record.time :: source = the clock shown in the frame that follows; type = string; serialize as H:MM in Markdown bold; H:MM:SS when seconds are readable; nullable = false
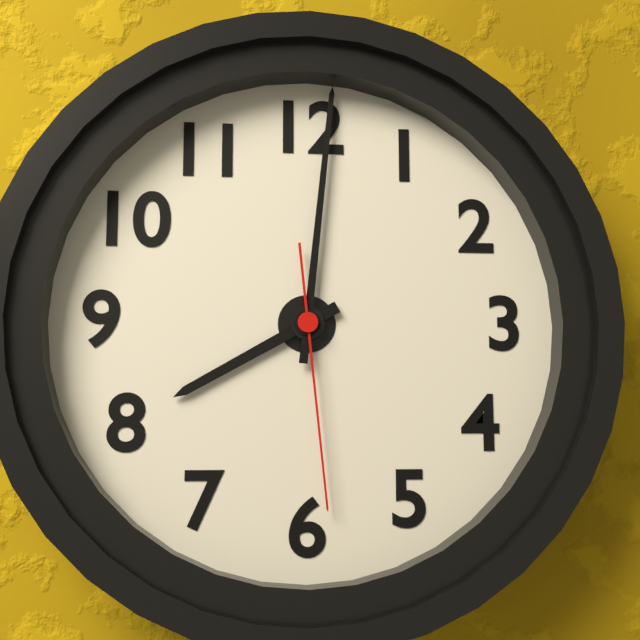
**8:01:29**
